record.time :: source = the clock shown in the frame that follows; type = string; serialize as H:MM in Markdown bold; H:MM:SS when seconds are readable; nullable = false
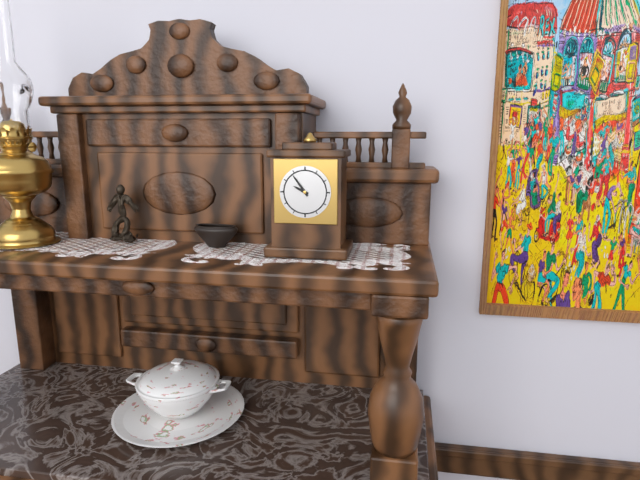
**9:54**
